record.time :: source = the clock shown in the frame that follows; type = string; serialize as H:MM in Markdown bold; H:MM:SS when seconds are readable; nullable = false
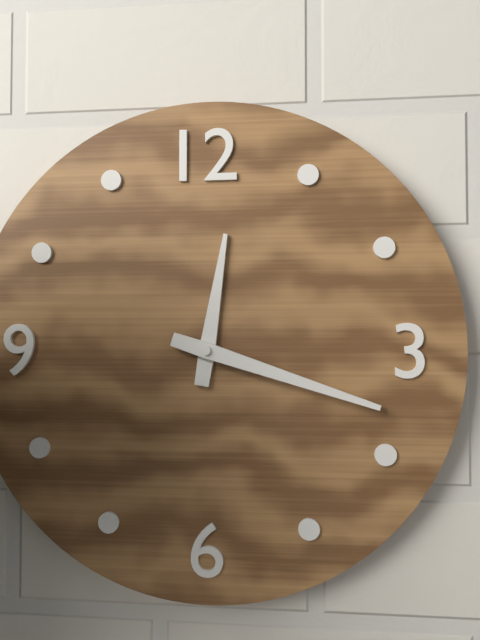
**12:18**
